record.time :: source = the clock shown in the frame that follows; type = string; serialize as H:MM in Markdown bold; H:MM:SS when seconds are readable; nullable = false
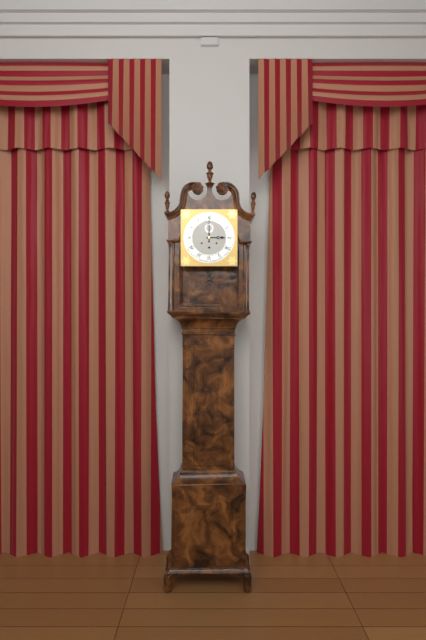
**3:00**
